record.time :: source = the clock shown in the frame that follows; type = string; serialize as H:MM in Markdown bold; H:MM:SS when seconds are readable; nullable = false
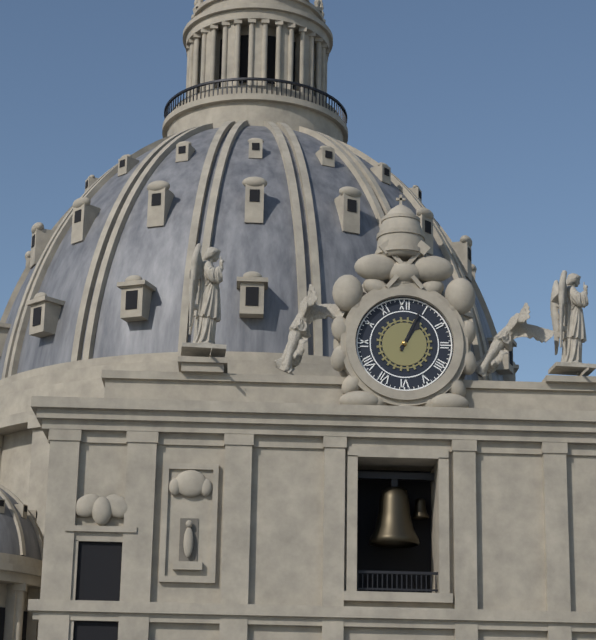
**1:04**
